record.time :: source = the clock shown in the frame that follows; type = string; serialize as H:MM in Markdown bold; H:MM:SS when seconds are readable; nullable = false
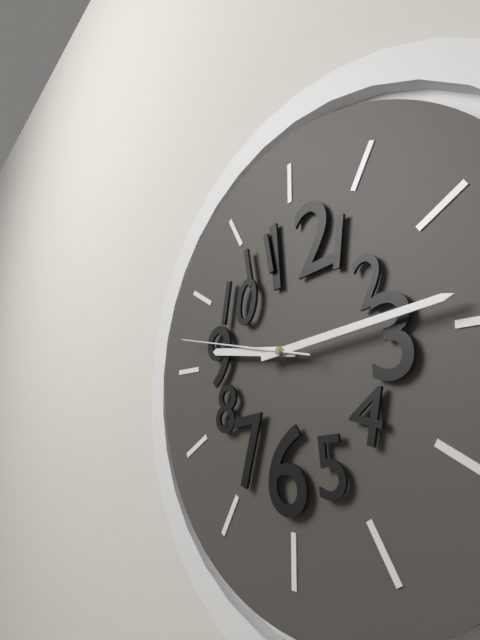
**9:14:47**
